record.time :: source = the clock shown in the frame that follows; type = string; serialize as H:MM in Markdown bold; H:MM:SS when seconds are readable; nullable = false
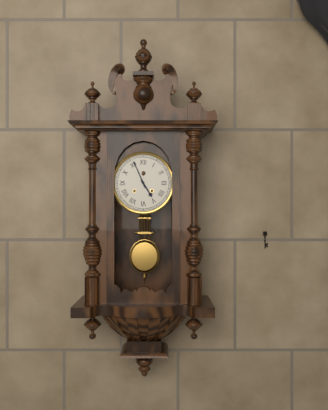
**4:56**
